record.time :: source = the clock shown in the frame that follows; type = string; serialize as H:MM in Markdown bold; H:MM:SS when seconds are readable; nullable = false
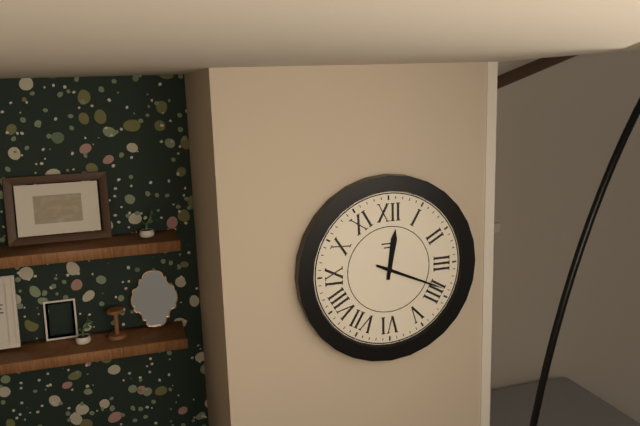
**12:19**
